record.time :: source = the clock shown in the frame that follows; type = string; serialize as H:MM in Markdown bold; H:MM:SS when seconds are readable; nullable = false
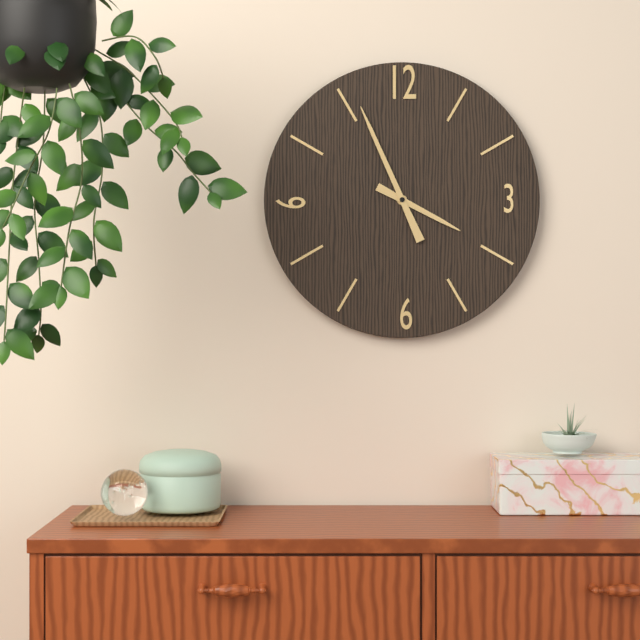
**3:56**
